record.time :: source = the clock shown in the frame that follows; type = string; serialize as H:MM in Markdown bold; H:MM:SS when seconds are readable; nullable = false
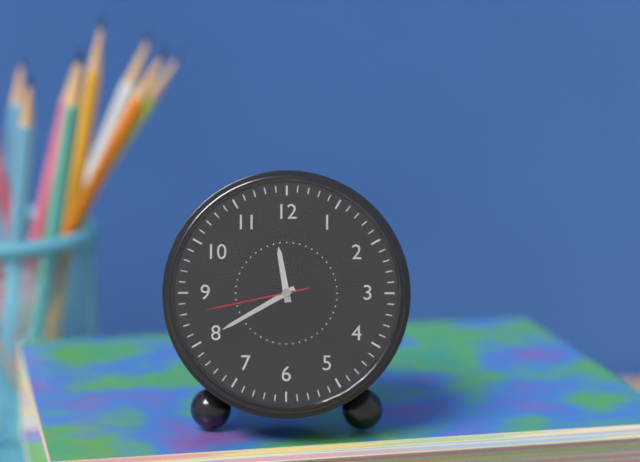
**11:40:43**
